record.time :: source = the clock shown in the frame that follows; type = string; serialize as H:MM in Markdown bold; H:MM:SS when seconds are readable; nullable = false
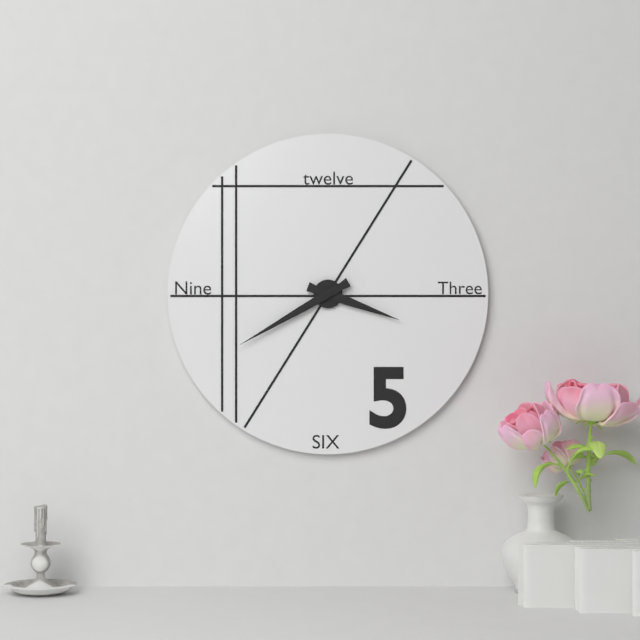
**3:40**
